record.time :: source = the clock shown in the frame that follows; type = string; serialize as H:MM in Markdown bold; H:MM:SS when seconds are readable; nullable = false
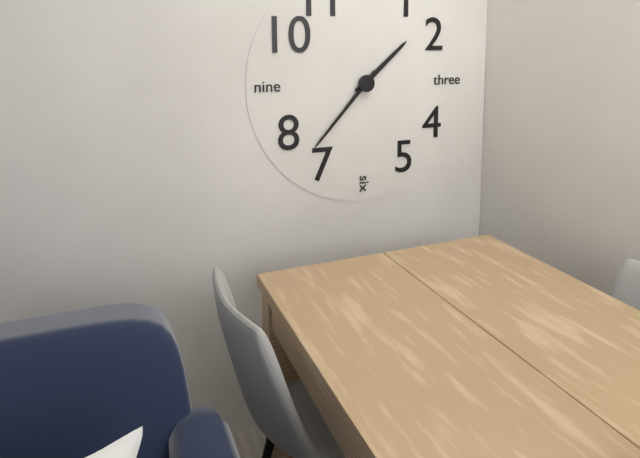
**1:37**
